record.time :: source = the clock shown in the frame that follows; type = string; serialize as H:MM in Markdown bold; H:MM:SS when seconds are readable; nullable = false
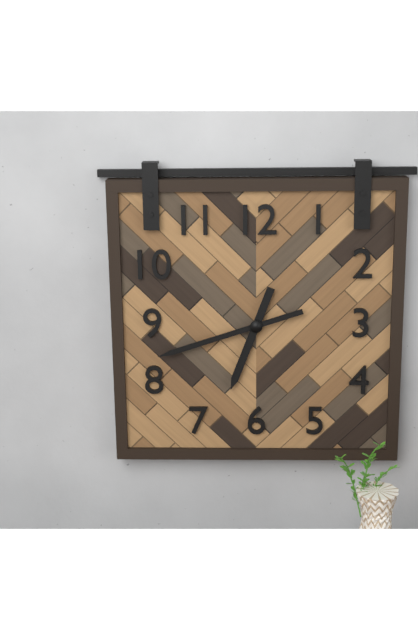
**6:42**
